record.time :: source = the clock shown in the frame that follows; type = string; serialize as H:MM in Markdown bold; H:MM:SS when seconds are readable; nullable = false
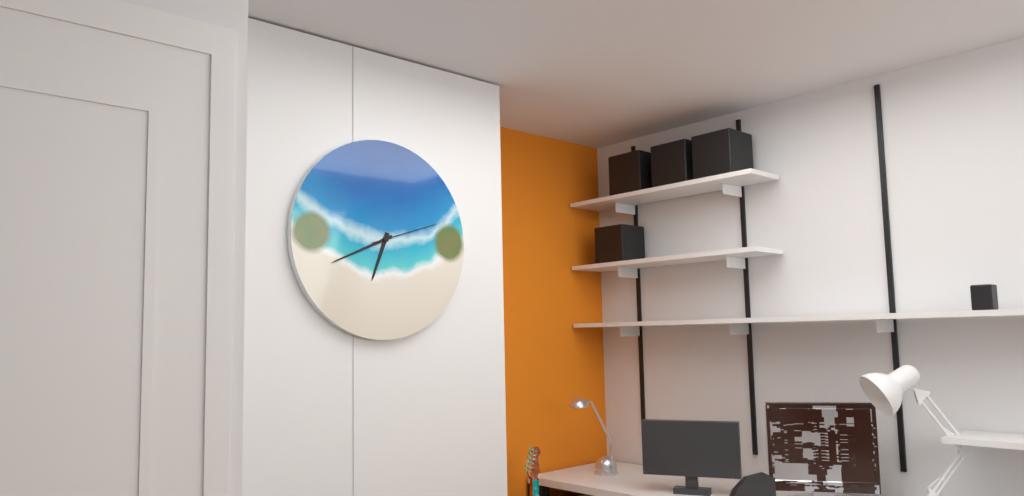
**6:41:12**
